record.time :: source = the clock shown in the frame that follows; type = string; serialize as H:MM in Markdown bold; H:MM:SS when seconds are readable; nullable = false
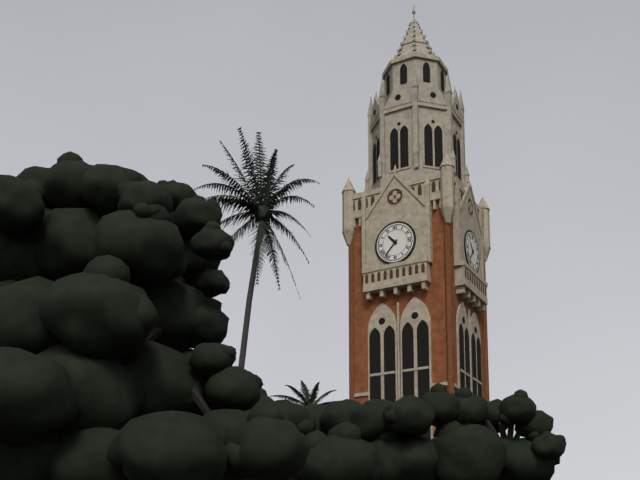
**10:37**
